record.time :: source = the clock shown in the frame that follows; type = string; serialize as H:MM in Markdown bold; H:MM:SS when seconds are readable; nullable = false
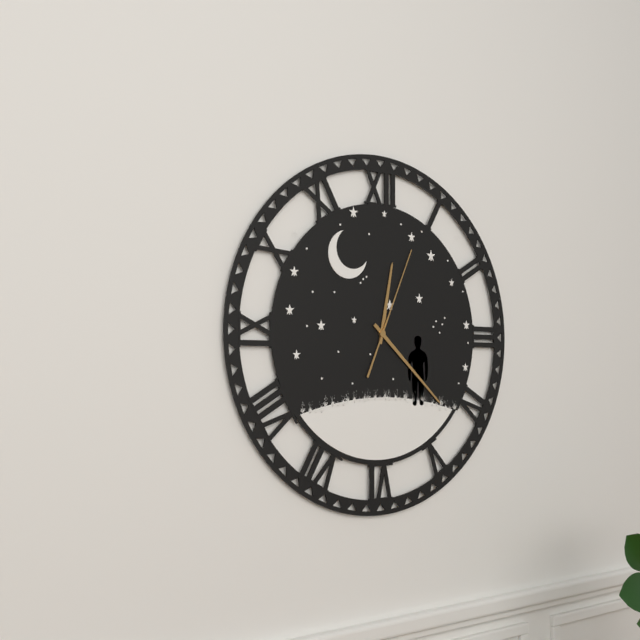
**12:22:04**
